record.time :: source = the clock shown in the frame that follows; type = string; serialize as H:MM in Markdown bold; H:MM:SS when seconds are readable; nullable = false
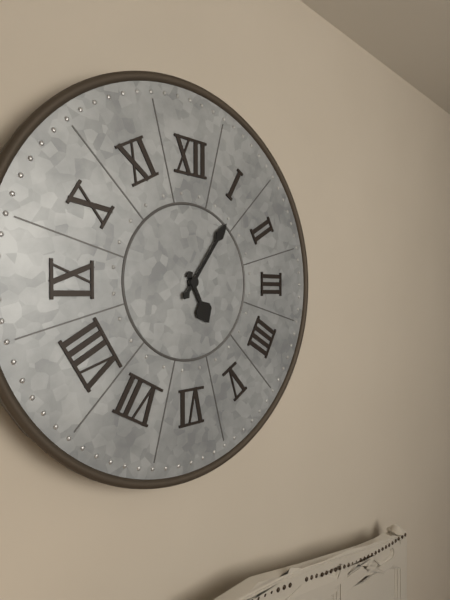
**5:06**
